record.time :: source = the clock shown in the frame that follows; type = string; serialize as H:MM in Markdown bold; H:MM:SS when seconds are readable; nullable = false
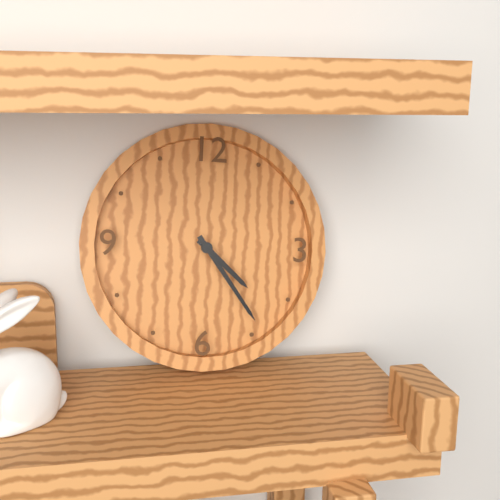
**4:24**
